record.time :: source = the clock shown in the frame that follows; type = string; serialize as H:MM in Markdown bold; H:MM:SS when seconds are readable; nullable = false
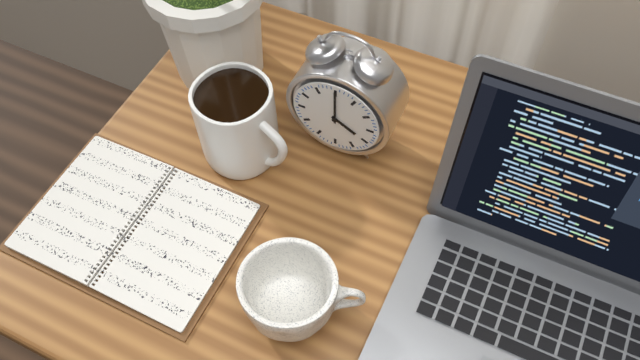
**4:00**
